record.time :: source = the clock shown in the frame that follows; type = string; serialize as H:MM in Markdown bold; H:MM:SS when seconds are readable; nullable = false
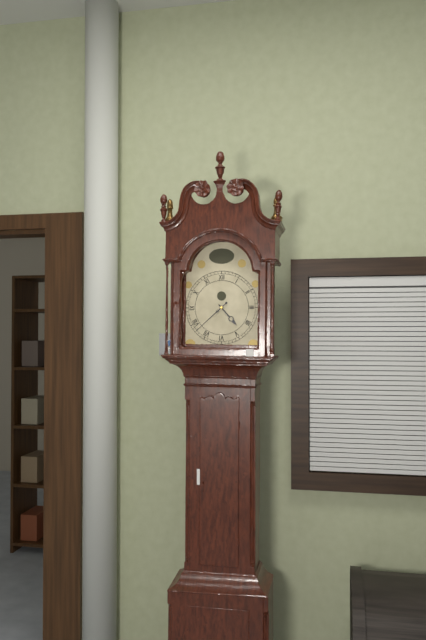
**4:38**
